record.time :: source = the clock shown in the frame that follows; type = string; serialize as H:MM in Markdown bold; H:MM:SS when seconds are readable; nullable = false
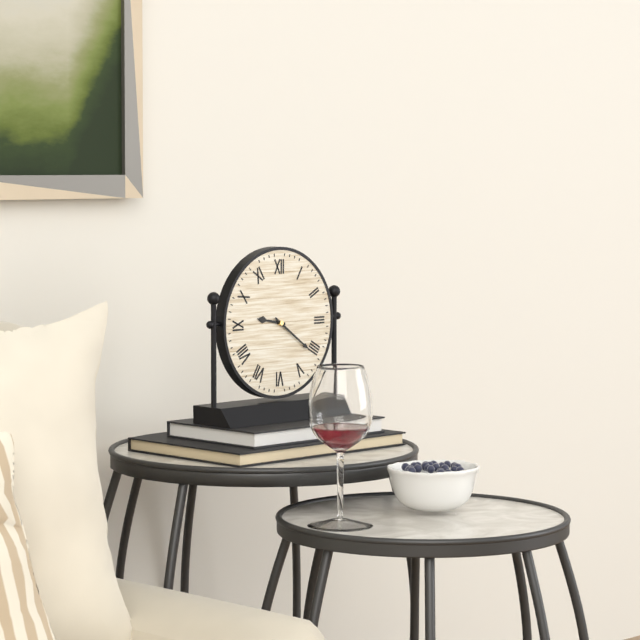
**9:21**
